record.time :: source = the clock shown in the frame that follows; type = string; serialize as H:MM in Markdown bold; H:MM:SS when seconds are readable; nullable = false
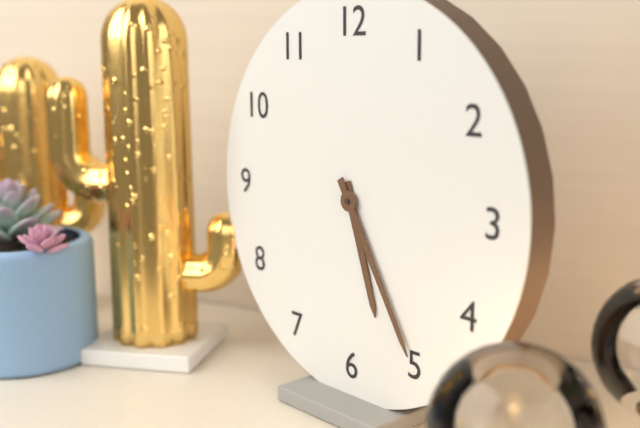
**5:25**
